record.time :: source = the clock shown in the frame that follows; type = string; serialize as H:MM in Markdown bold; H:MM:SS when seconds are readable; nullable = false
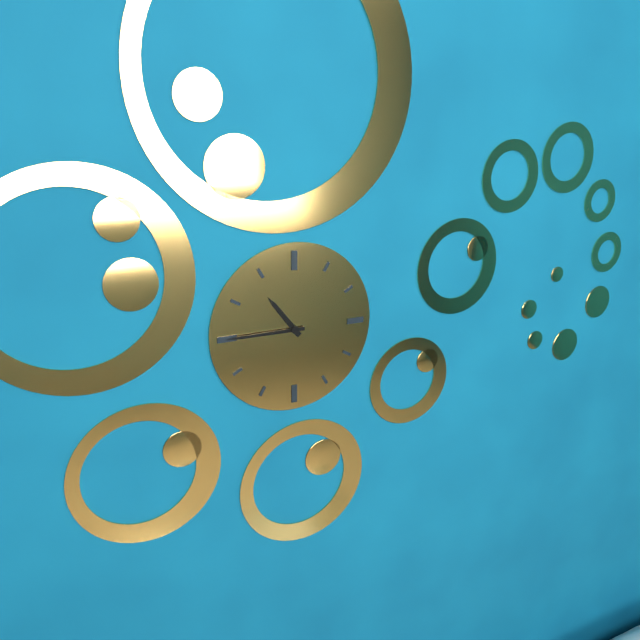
**10:45**
